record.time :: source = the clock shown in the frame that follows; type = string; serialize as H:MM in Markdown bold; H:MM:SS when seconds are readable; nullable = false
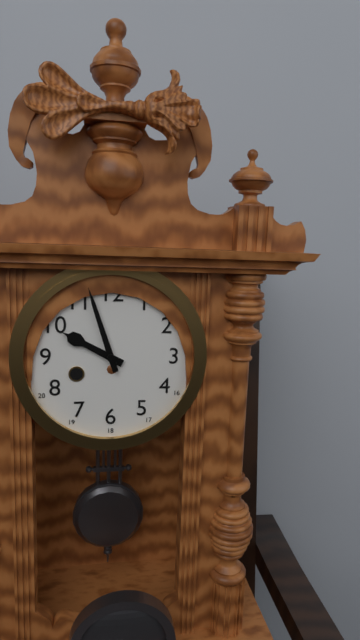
**9:57**
